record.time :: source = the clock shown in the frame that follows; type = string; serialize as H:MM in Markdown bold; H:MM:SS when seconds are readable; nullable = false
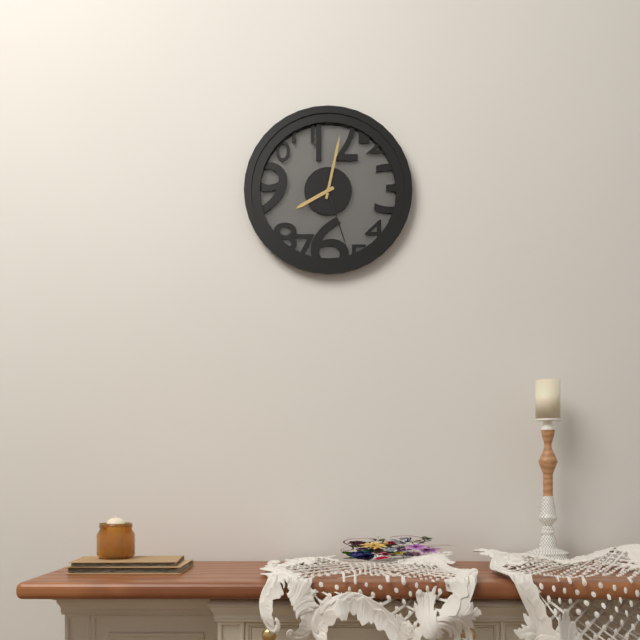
**8:02:27**
